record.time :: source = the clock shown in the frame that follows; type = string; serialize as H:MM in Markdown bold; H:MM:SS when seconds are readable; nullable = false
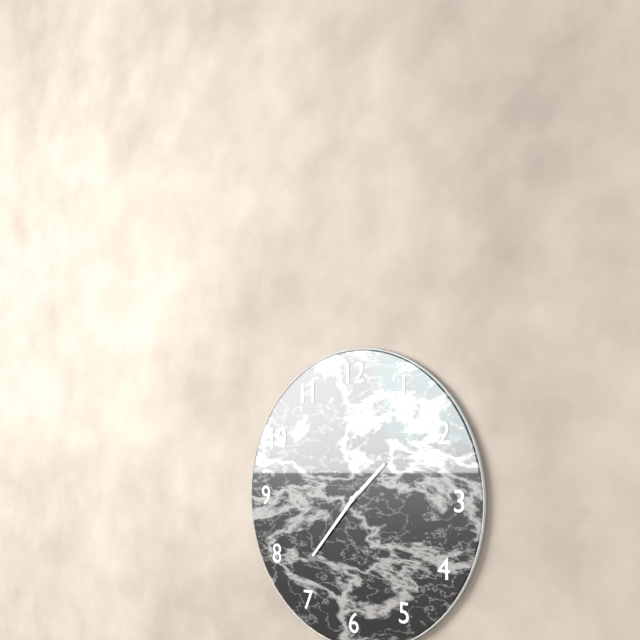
**1:37**
